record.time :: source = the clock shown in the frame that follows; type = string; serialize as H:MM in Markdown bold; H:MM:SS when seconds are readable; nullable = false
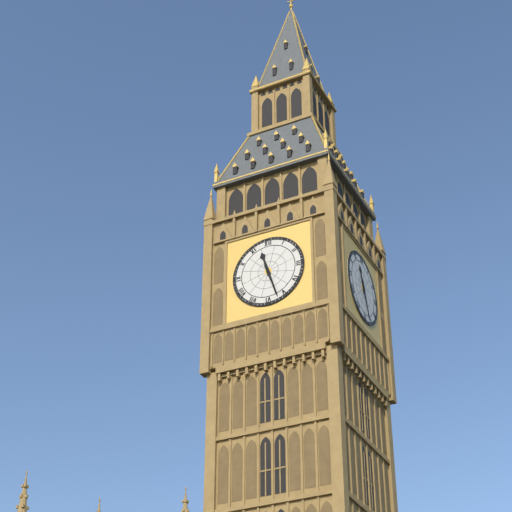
**11:27**
